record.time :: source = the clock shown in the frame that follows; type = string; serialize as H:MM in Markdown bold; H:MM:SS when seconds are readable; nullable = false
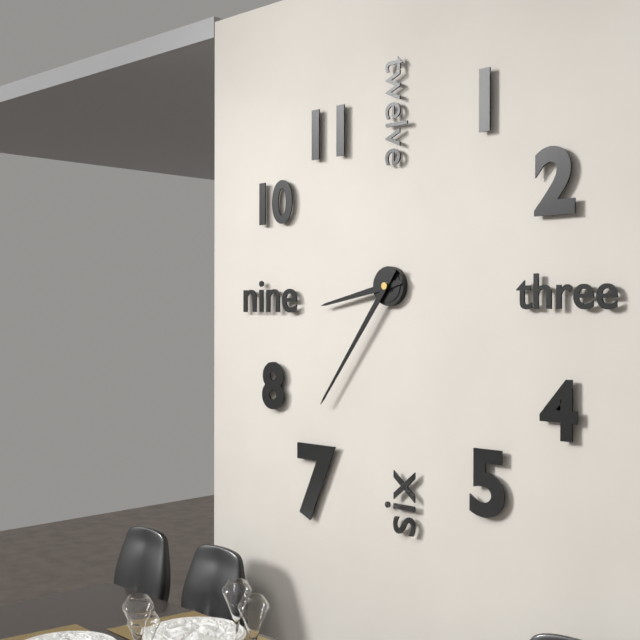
**8:36**
